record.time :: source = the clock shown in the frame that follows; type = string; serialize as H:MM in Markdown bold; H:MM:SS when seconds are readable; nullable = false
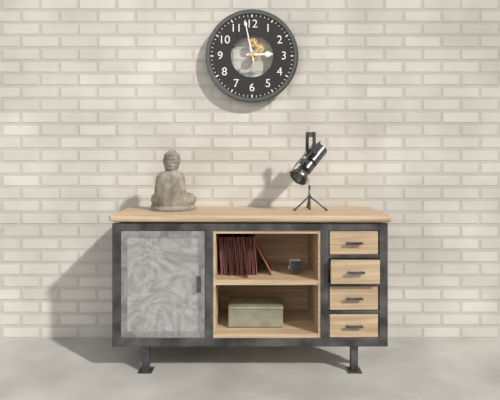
**2:58**
